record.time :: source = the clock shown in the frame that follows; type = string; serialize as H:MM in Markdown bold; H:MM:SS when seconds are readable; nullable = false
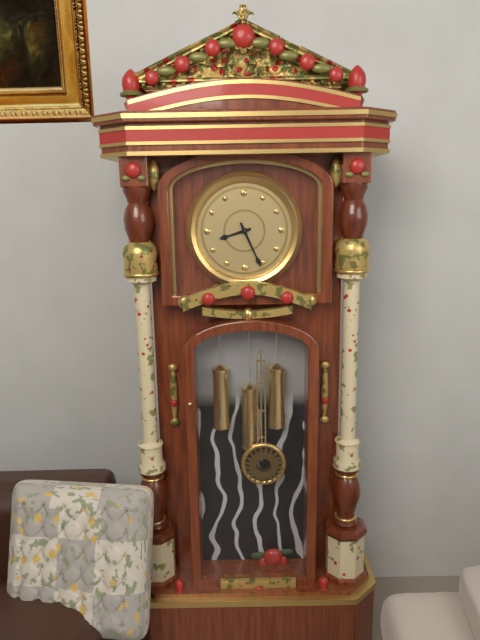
**8:26**
